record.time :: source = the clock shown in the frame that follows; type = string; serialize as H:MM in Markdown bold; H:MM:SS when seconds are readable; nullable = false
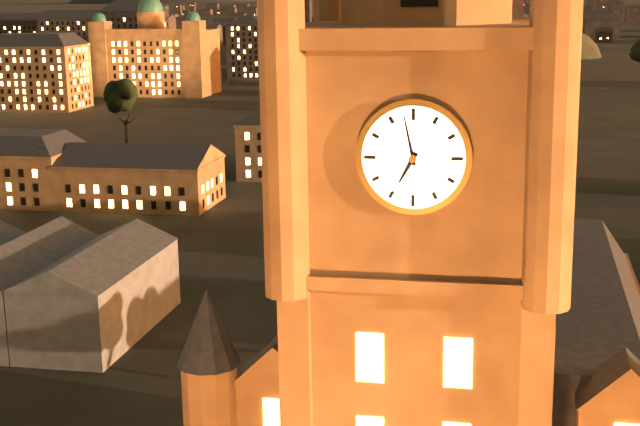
**6:58**
